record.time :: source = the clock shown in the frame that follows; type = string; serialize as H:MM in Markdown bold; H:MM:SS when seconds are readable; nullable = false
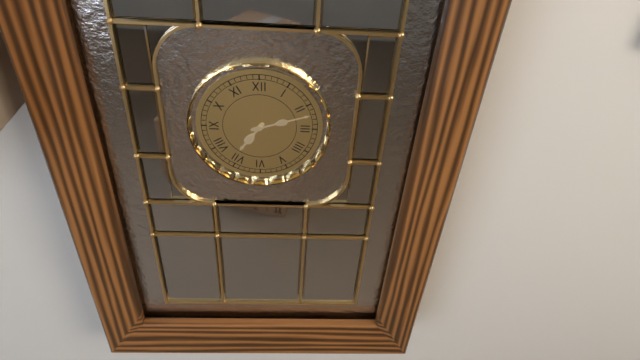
**7:12**
